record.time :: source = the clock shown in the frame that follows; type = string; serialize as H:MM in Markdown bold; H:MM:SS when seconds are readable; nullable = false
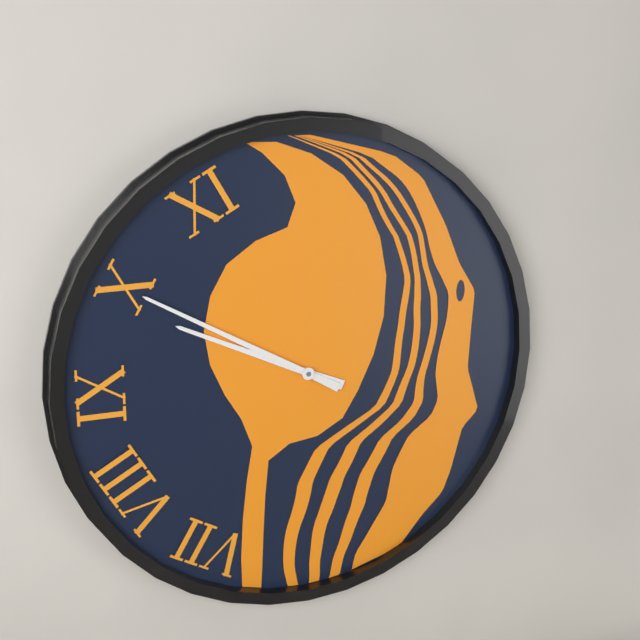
**9:50**
